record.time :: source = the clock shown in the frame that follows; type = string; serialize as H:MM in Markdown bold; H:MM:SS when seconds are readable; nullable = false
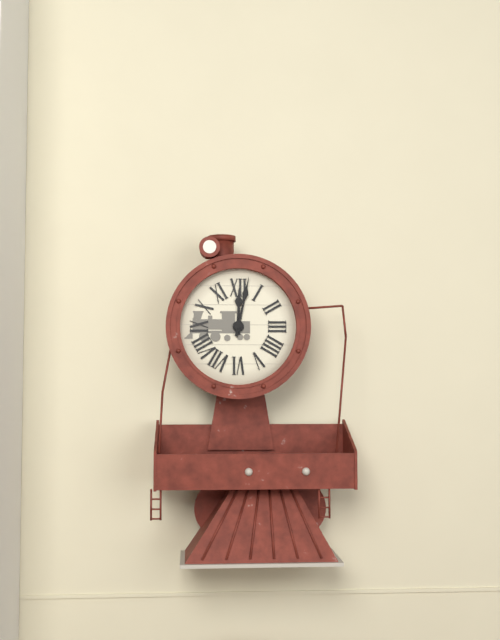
**12:02**
